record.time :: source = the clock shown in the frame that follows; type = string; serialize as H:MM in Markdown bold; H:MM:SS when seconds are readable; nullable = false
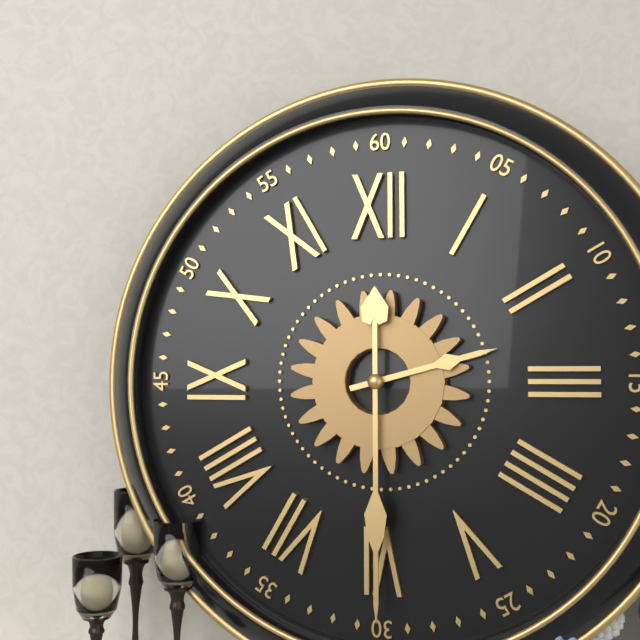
**2:30**
